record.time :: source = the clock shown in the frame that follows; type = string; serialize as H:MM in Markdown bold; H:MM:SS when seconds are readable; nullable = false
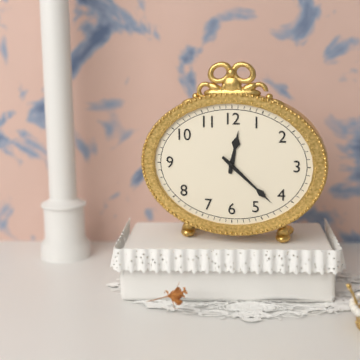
**12:22**
